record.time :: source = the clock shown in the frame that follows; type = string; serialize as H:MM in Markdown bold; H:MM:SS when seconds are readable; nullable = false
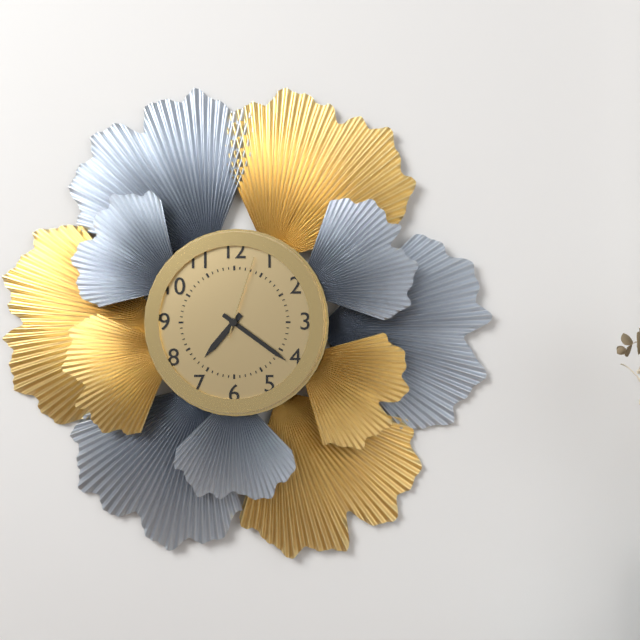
**7:21:03**
